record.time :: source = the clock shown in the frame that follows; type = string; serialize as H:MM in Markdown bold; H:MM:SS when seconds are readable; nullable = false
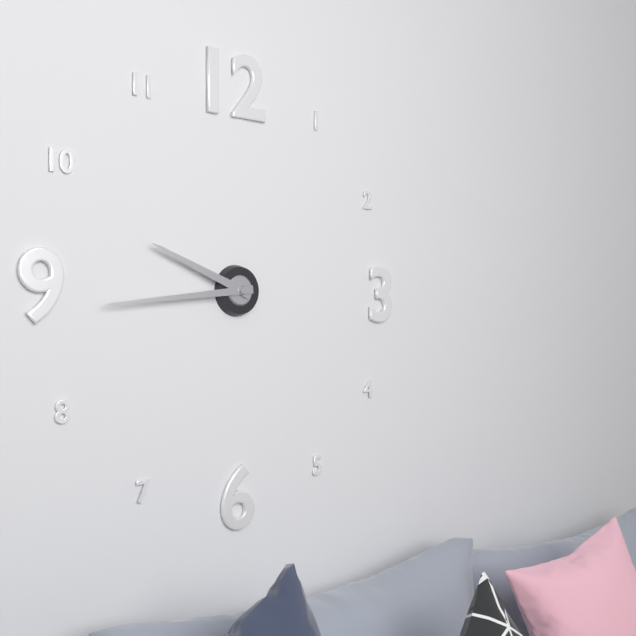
**9:44**
